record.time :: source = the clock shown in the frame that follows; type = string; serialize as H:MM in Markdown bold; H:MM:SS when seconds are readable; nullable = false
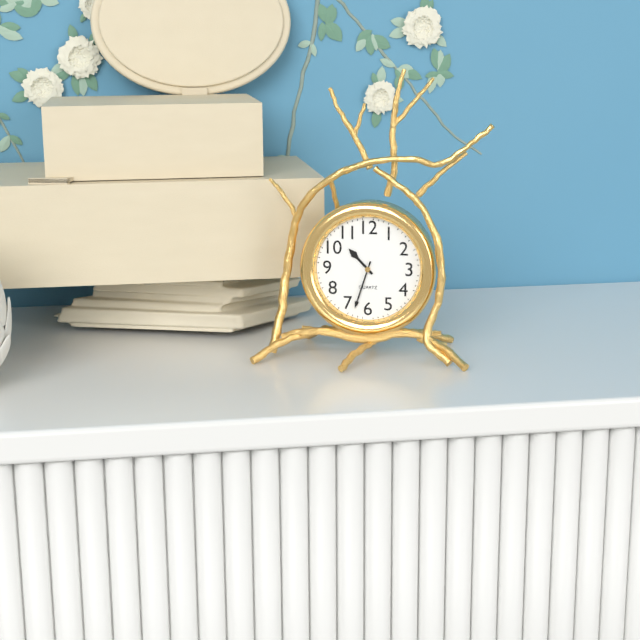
**10:33**
